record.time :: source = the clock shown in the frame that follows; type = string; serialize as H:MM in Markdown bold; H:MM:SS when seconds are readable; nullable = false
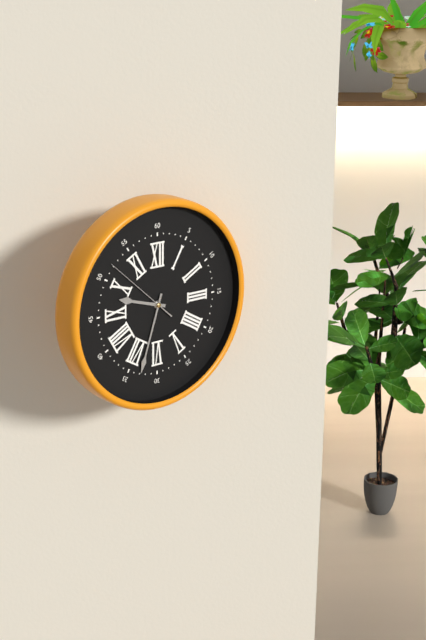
**9:33:52**
